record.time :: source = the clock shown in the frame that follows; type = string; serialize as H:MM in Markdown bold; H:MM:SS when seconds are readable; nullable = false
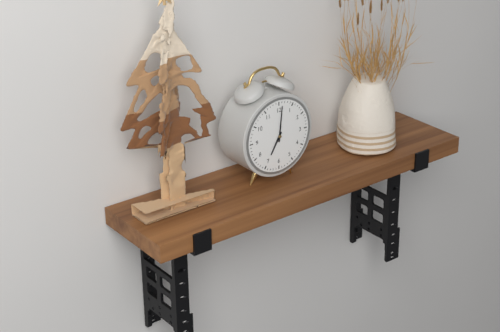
**7:01**
